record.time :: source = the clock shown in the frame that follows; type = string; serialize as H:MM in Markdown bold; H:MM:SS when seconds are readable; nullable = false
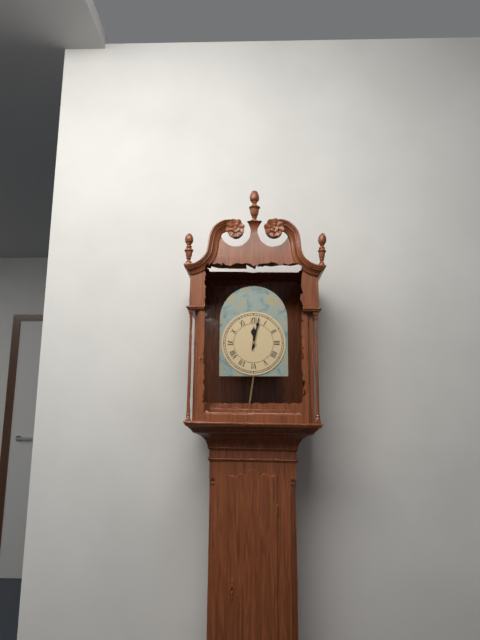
**12:02**
